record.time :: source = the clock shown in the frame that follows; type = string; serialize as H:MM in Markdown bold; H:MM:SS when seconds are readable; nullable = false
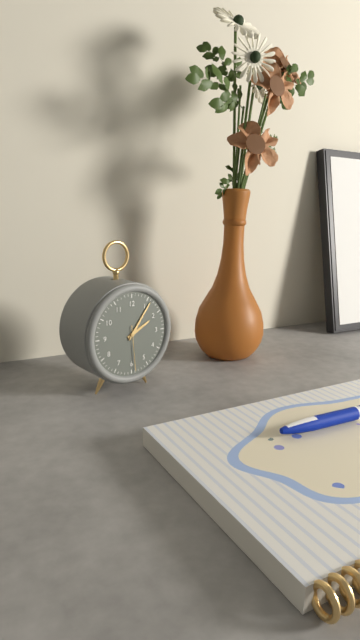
**2:06**
